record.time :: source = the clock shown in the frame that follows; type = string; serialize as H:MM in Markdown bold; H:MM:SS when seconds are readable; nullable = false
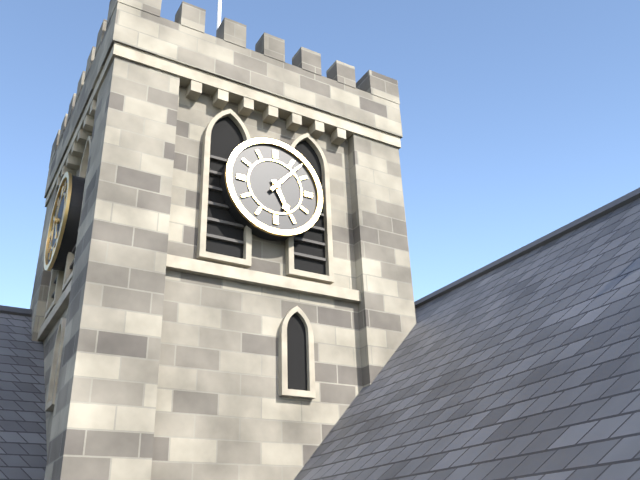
**5:07**
